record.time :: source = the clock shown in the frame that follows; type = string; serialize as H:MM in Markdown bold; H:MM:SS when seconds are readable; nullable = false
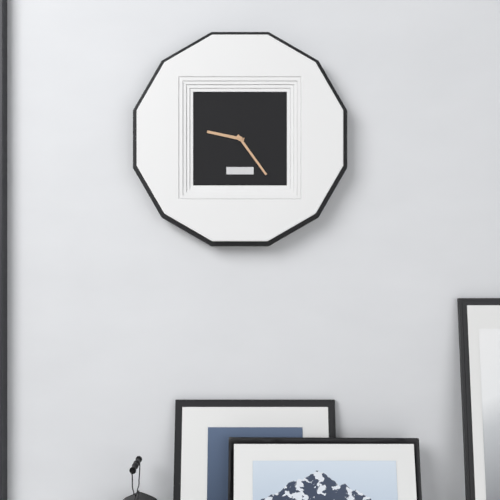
**9:24**
